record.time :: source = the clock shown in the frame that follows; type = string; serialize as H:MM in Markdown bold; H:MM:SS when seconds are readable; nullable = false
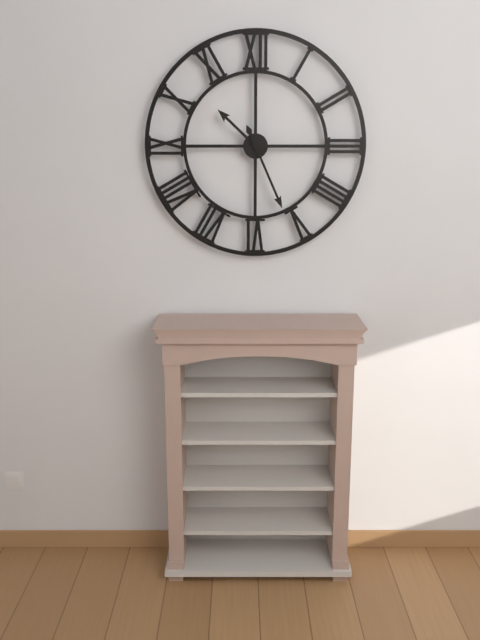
**10:26**
